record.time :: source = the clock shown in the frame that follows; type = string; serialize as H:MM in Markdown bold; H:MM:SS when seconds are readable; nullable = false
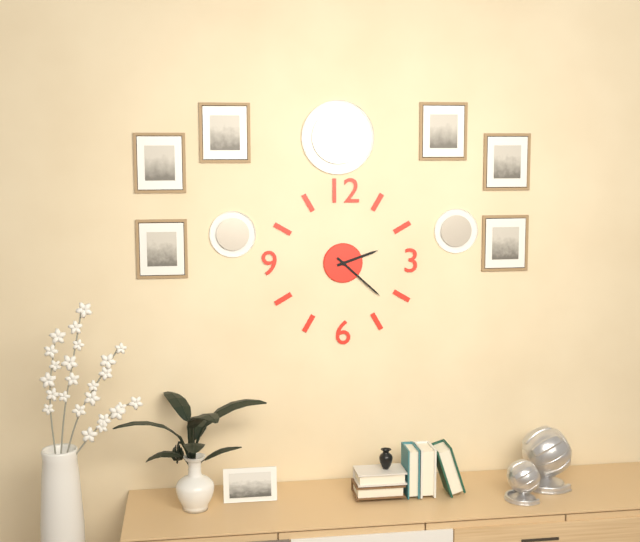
**2:22**
